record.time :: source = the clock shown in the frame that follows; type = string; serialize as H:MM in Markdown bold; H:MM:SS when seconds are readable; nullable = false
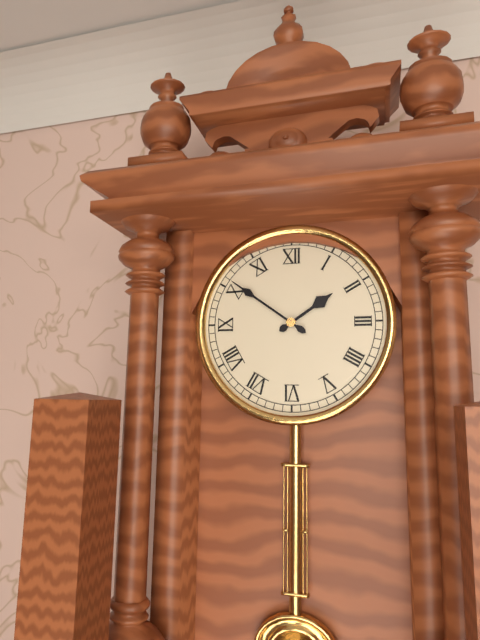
**1:51**
